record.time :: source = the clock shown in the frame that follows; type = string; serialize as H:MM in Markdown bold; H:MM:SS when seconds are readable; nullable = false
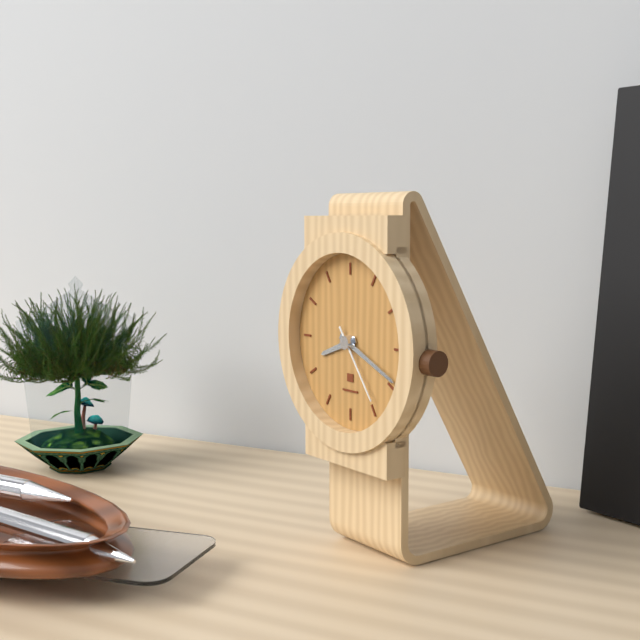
**8:19:24**
